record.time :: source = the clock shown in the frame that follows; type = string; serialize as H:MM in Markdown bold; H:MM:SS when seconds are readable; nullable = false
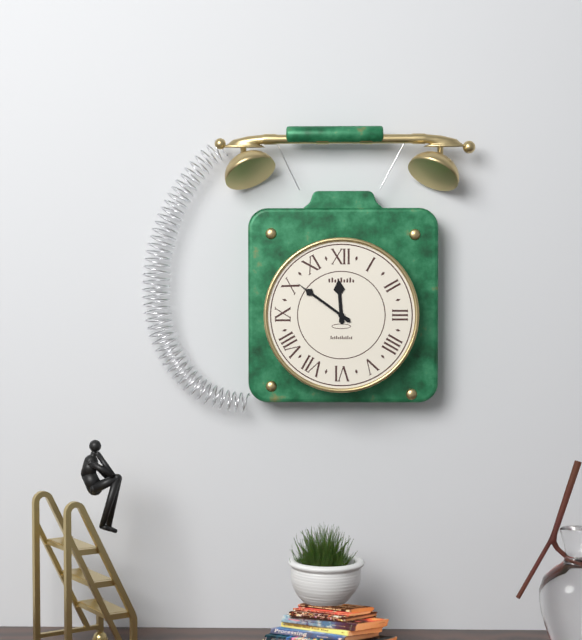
**11:51**
